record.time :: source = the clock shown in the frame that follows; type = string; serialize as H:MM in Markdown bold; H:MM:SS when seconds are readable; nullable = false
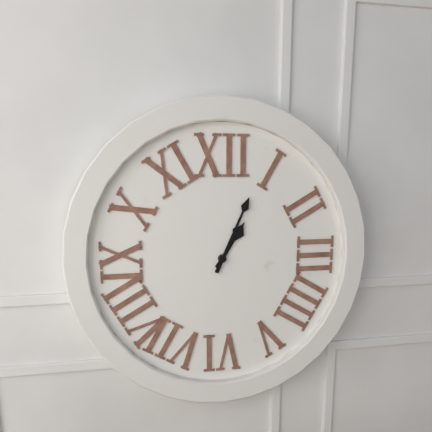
**1:04**
